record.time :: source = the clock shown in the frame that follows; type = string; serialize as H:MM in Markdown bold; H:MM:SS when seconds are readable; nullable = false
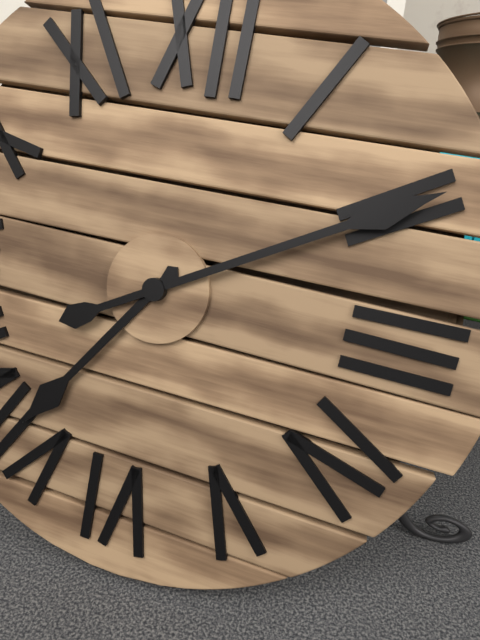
**7:10**
